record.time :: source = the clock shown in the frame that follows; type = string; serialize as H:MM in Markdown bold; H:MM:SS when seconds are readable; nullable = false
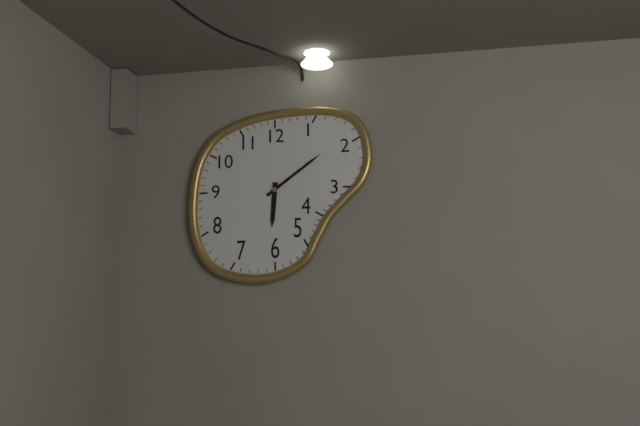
**6:09**
